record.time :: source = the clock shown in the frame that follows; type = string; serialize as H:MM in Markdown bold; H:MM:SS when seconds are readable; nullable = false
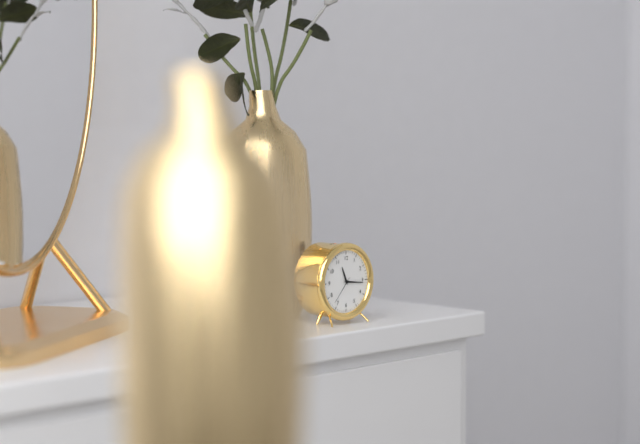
**11:16**
